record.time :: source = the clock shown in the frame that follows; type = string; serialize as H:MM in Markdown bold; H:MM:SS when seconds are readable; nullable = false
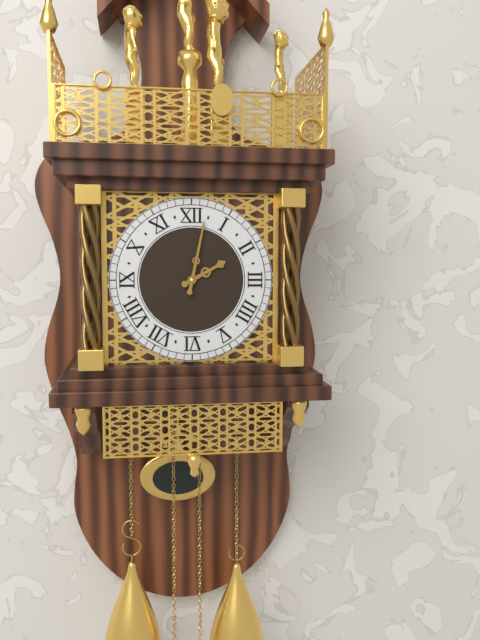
**2:02**
